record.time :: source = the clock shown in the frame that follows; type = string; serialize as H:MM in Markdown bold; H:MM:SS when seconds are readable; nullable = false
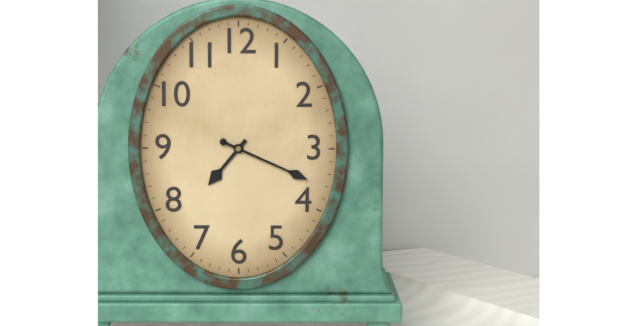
**7:19**
